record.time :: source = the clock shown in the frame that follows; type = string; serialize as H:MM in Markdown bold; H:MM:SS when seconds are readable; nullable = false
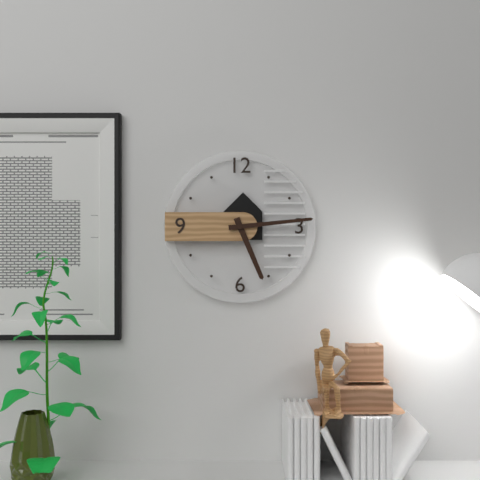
**5:14**
